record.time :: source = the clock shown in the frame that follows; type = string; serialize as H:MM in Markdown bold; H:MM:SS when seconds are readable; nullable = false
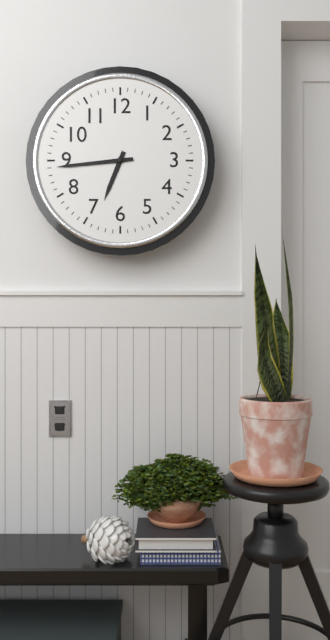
**6:44**
